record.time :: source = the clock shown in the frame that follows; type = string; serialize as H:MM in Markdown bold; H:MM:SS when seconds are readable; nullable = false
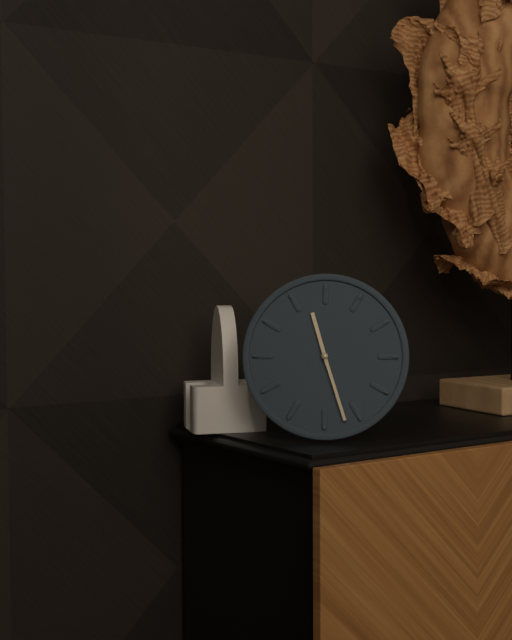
**11:27**
